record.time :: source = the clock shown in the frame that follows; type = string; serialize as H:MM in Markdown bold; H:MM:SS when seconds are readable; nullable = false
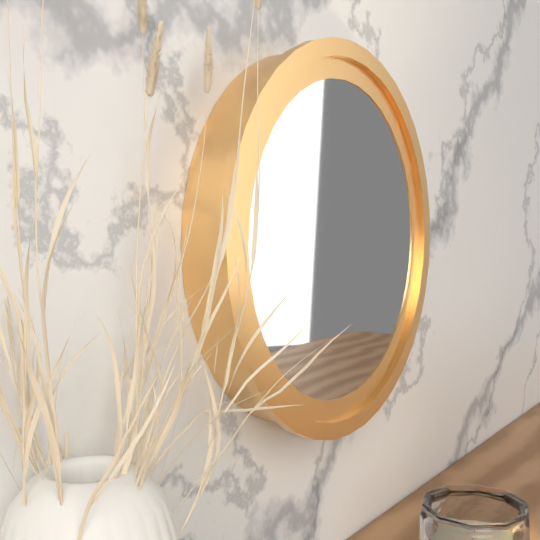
**7:18:07**
